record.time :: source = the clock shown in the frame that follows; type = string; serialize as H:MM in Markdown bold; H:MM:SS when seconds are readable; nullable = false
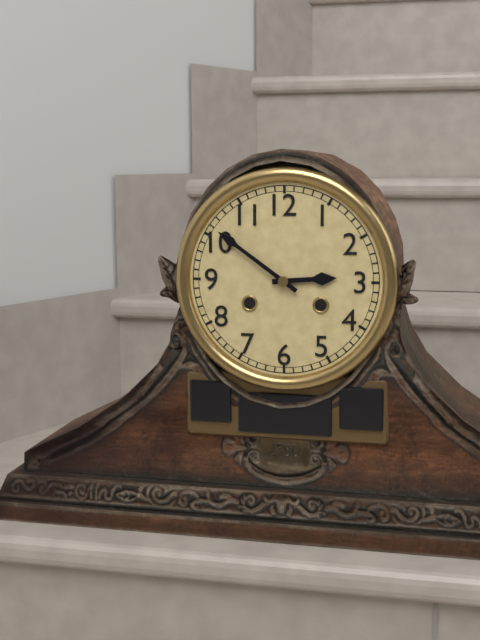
**2:51**
